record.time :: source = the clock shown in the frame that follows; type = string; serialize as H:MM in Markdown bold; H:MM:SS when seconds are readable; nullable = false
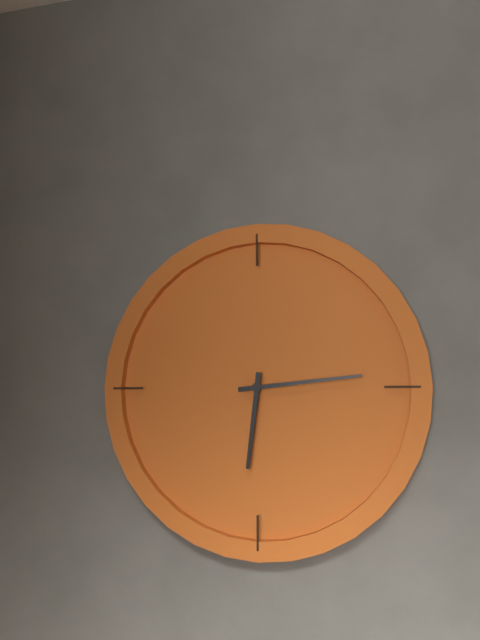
**6:14**
